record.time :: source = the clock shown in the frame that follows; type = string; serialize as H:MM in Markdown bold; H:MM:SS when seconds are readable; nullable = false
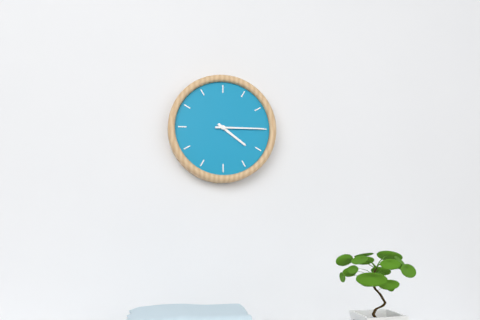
**4:15**
